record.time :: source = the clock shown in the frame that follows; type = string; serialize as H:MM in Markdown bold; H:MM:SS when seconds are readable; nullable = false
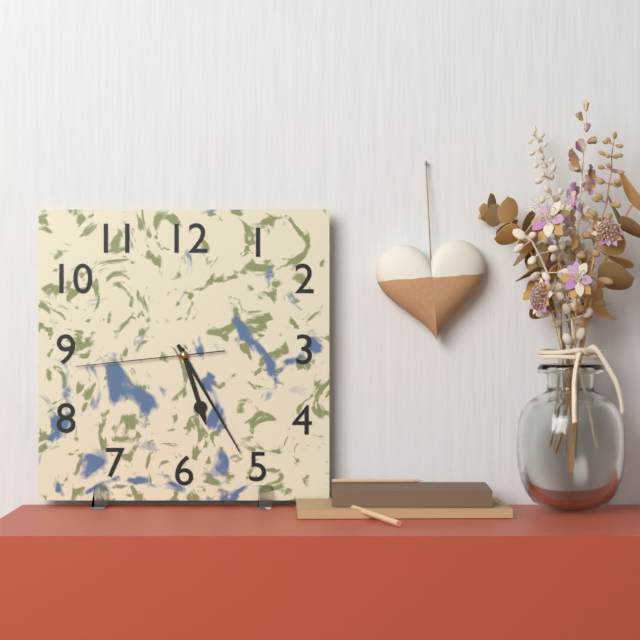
**5:25:44**
